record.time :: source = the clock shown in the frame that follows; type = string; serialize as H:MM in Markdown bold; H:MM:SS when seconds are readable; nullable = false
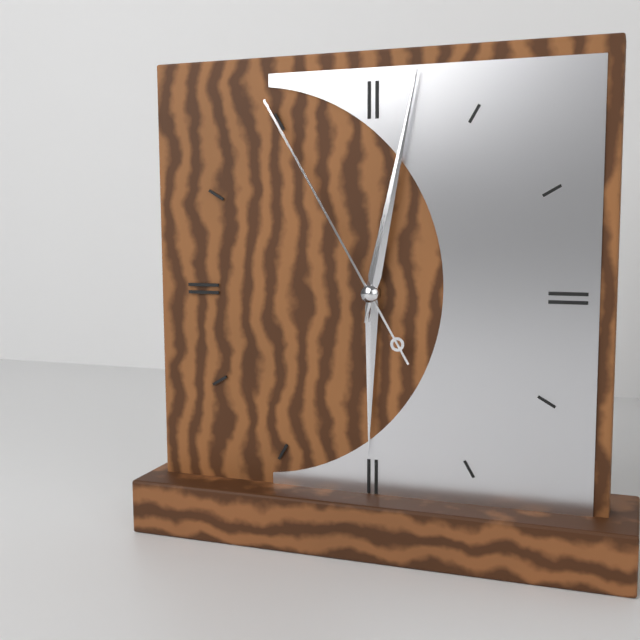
**6:02:55**
